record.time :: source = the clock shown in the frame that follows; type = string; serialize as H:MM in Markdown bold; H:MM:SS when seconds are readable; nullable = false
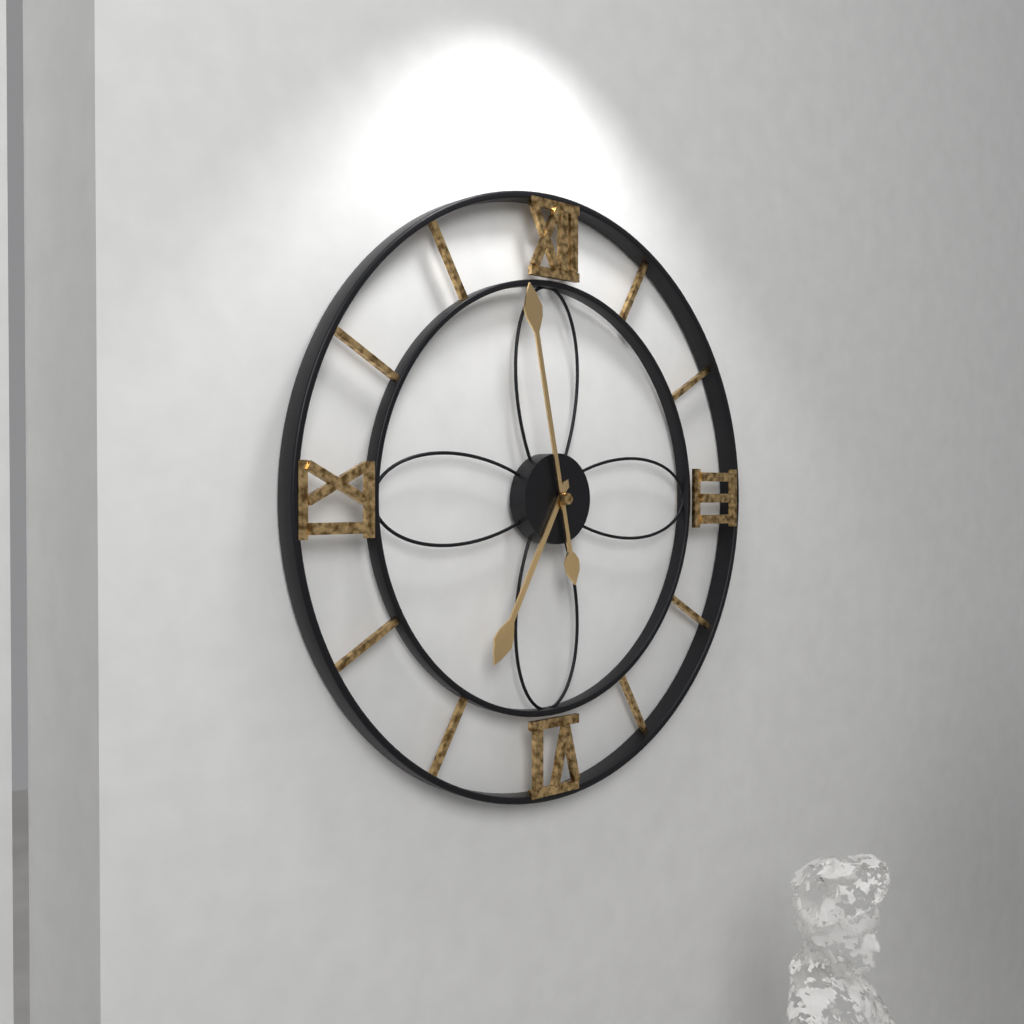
**6:58**
